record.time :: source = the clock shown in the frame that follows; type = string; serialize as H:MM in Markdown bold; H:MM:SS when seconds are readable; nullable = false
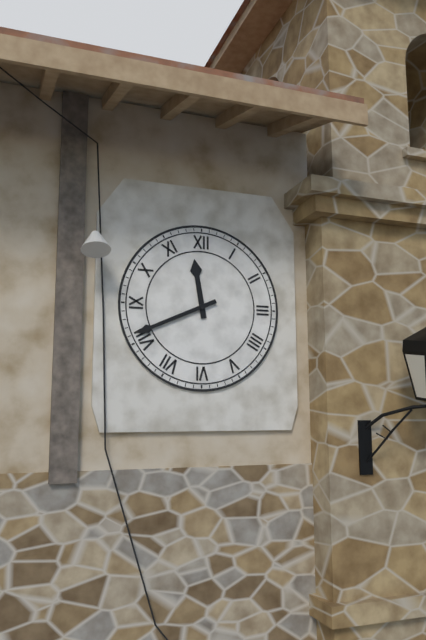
**11:41**
